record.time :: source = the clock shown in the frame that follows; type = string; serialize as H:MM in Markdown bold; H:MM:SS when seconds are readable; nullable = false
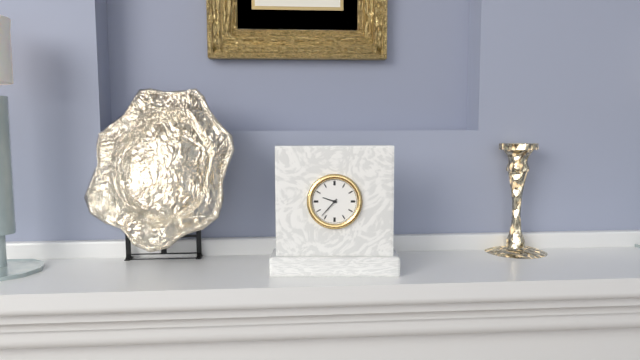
**9:37**
